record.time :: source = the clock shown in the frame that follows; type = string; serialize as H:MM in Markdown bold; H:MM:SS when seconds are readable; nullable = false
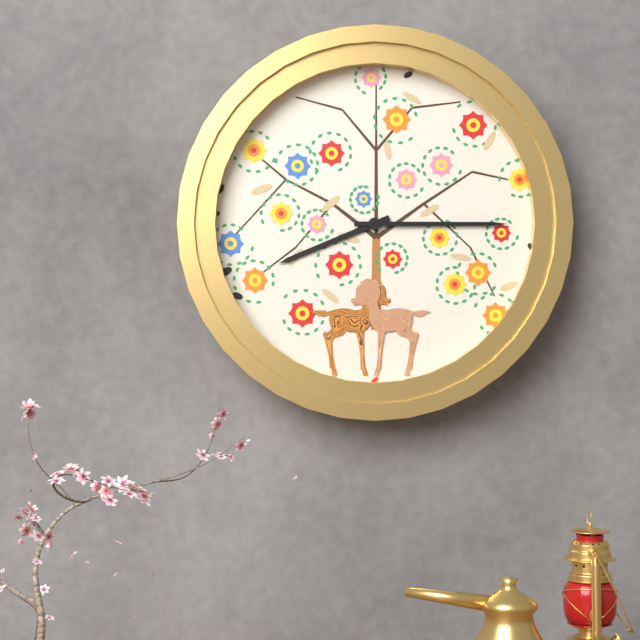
**8:15**
